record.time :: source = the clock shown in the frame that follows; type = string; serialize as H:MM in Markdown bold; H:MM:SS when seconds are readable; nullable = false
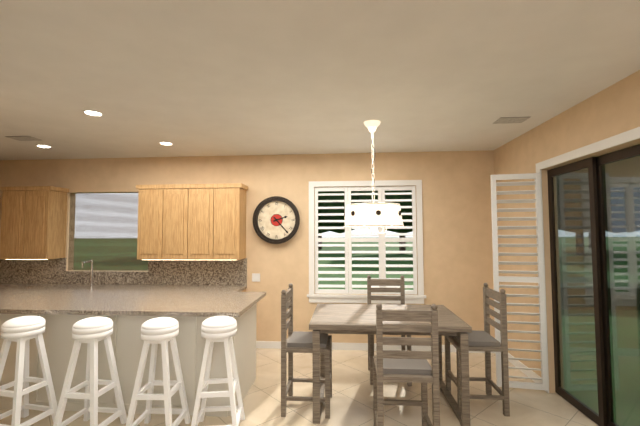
**2:23**
